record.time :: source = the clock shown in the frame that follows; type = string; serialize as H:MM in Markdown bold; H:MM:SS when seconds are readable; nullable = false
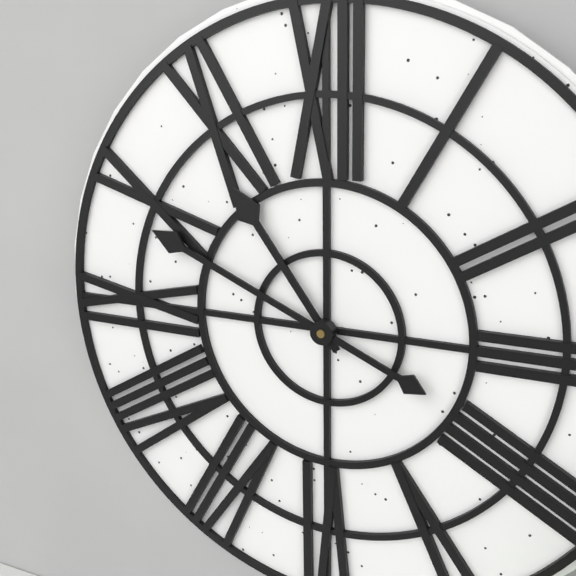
**10:49**
